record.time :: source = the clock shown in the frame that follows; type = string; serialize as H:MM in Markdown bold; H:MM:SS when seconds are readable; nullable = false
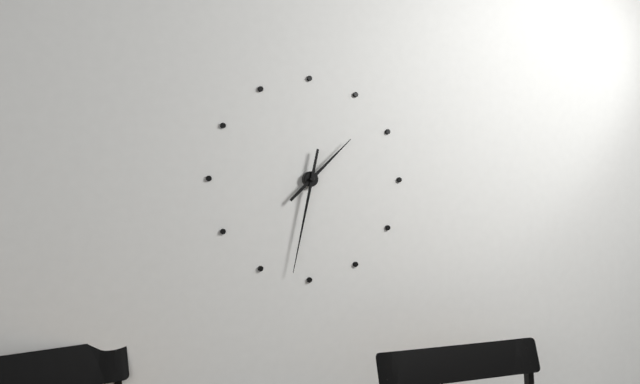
**1:32**
